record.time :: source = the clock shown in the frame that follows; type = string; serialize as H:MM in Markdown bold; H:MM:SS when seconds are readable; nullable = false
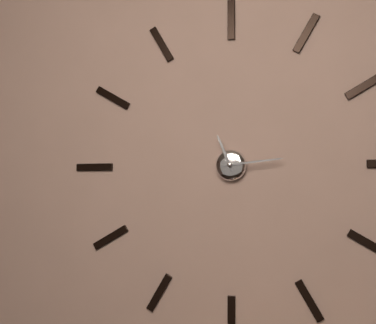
**11:14**
